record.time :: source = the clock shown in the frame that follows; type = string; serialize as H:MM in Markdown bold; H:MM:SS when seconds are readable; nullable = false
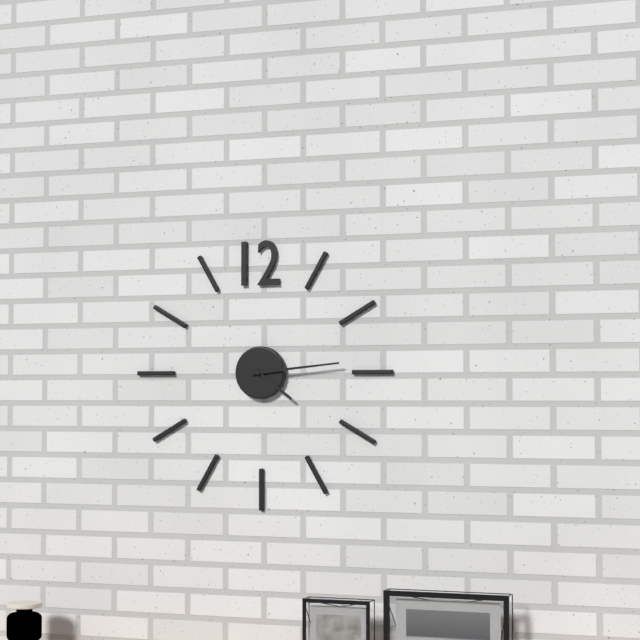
**4:14**
